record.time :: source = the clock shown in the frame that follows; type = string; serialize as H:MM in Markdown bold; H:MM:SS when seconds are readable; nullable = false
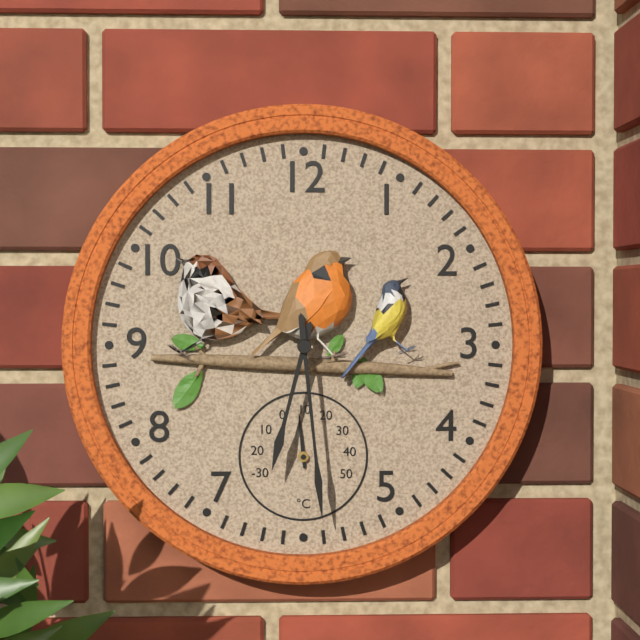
**6:29**
